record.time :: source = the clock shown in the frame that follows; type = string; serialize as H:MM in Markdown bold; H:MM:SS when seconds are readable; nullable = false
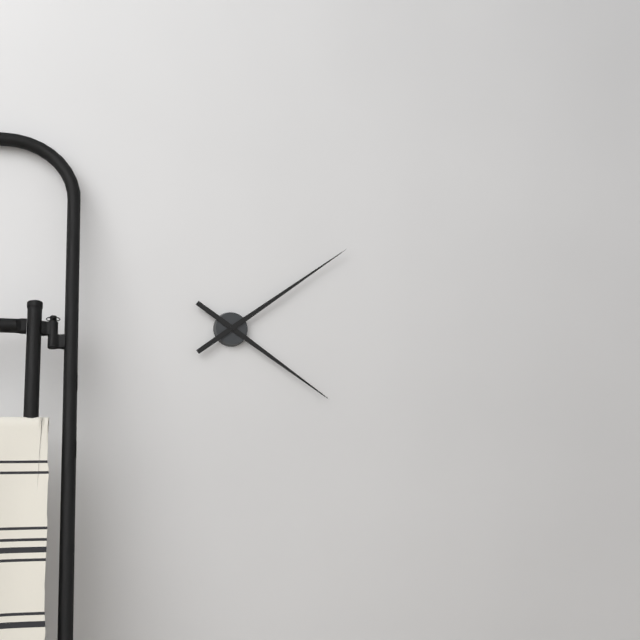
**4:09**
